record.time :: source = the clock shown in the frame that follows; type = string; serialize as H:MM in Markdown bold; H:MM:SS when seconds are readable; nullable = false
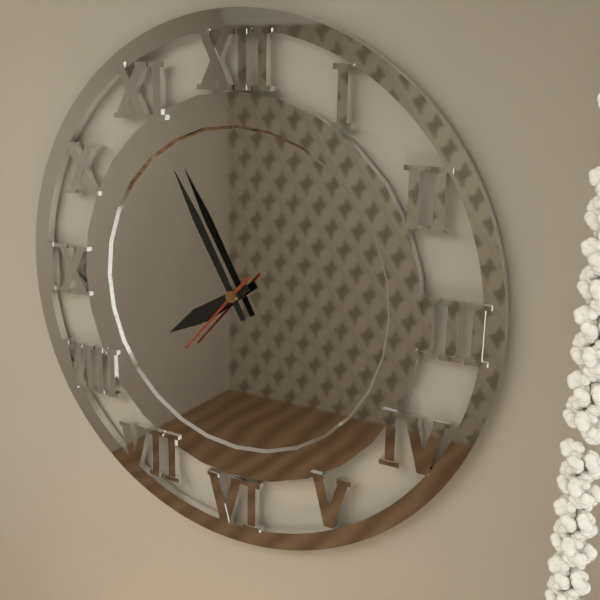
**7:55:37**
